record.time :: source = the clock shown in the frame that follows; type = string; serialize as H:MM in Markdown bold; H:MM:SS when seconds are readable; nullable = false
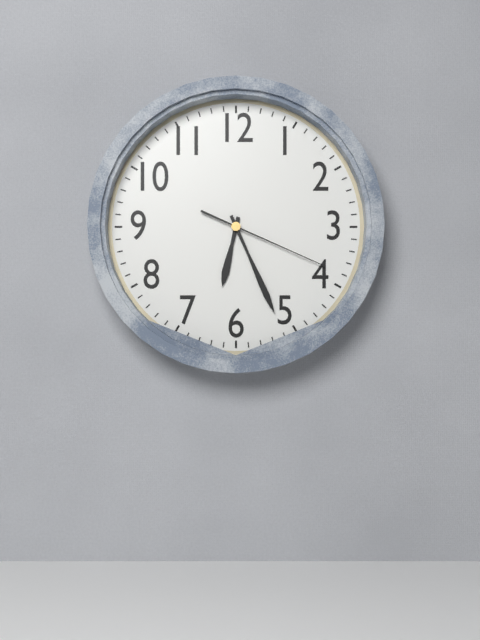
**6:26:19**
